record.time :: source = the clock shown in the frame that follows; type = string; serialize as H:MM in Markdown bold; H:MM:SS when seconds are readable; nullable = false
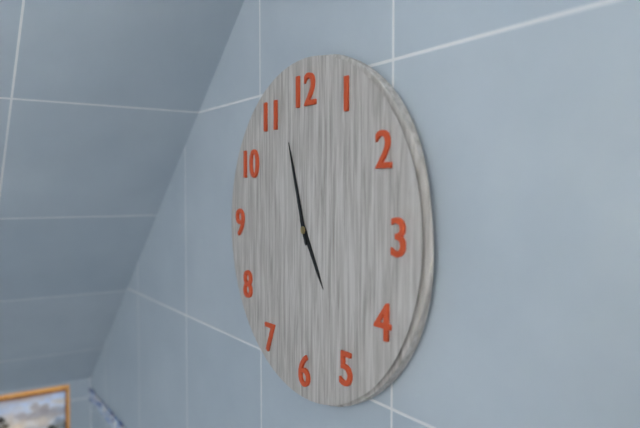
**4:57**
